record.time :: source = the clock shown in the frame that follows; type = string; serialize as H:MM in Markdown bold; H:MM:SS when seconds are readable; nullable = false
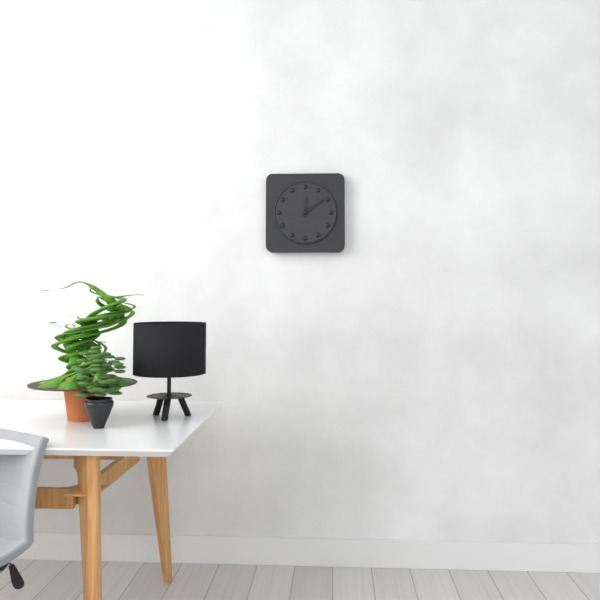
**12:09**
